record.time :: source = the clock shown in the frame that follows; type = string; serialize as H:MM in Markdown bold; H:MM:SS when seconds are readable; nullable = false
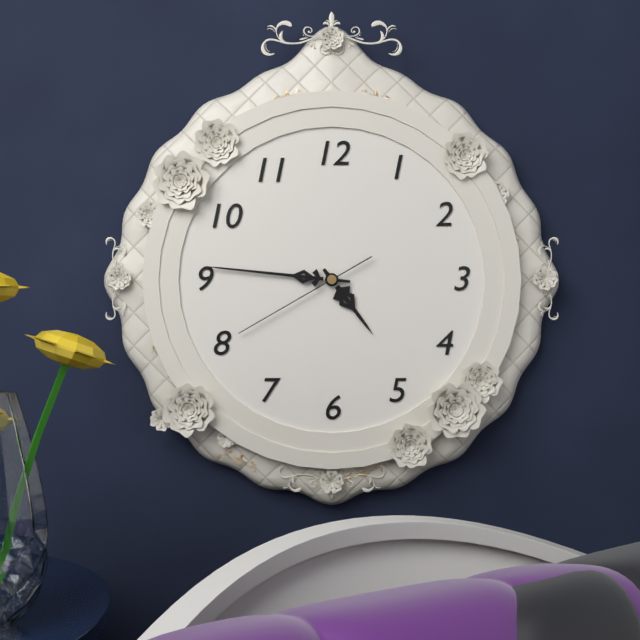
**4:46:40**
